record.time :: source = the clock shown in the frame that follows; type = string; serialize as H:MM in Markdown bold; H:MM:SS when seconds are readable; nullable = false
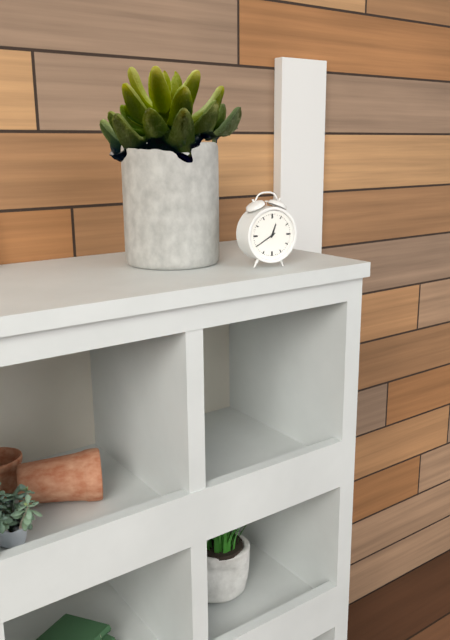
**12:40**
